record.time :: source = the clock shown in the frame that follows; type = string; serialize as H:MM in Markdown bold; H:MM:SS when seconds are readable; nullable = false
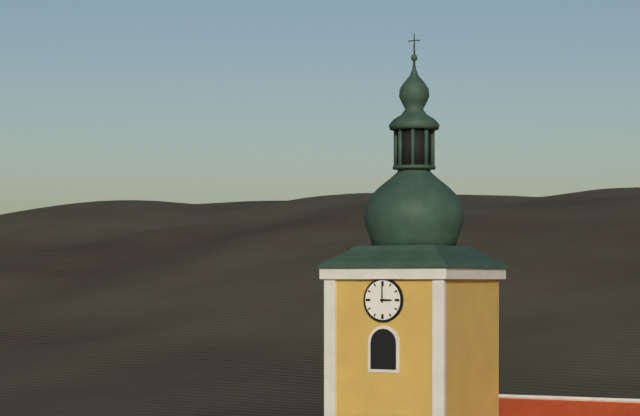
**3:00**
